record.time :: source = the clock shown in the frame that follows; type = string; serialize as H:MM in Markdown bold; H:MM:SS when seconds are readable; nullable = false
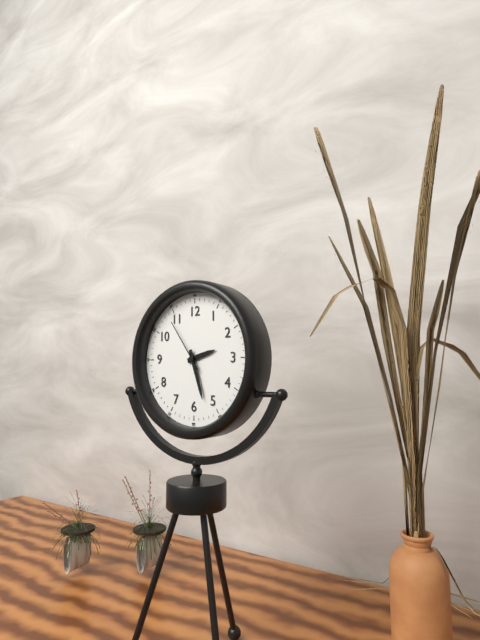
**2:27:54**
